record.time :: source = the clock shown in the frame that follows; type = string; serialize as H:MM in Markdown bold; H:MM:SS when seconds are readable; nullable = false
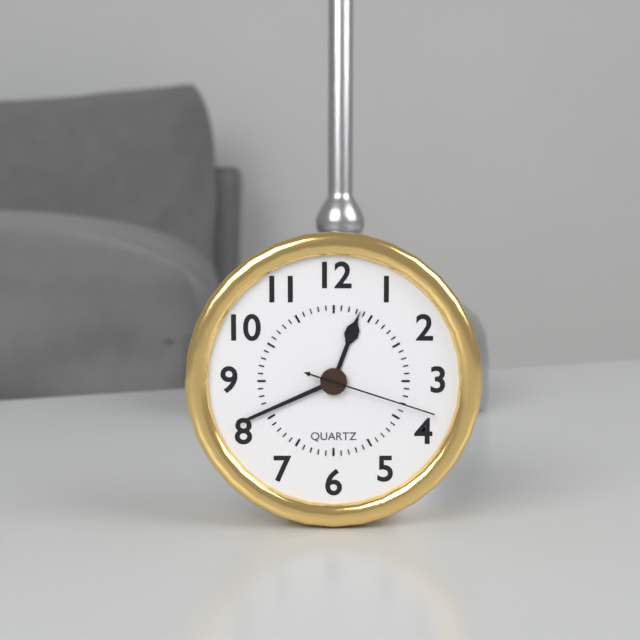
**12:41:18**
